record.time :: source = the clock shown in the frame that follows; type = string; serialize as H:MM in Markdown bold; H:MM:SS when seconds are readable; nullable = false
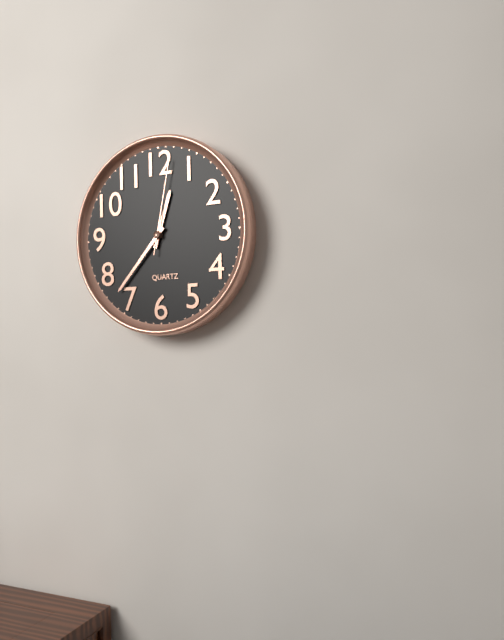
**12:37:02**
